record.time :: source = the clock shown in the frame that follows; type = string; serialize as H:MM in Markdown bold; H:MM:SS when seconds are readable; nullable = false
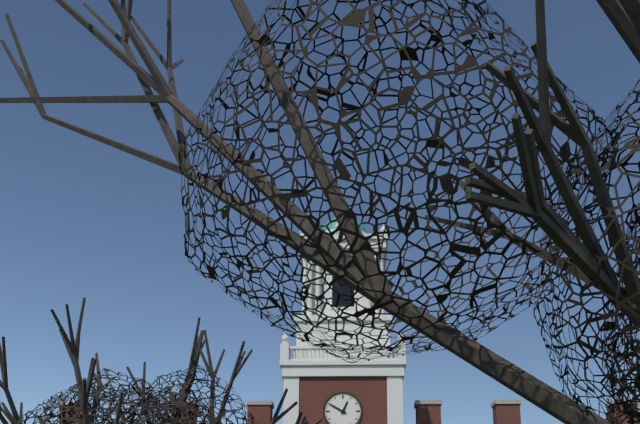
**12:50**
